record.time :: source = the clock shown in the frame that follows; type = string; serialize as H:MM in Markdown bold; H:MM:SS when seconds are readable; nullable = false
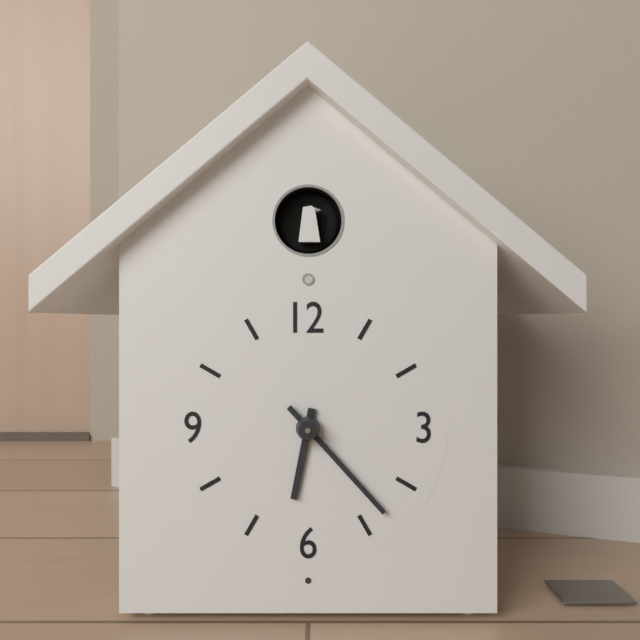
**6:23**
